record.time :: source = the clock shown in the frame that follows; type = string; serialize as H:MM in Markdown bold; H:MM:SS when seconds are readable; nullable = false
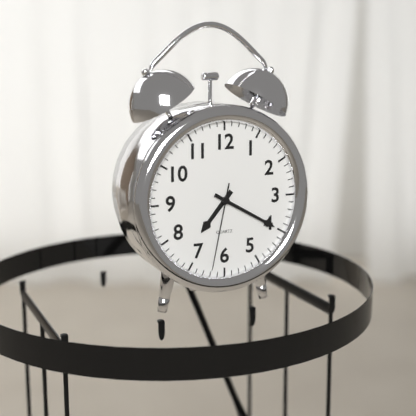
**7:20:32**
